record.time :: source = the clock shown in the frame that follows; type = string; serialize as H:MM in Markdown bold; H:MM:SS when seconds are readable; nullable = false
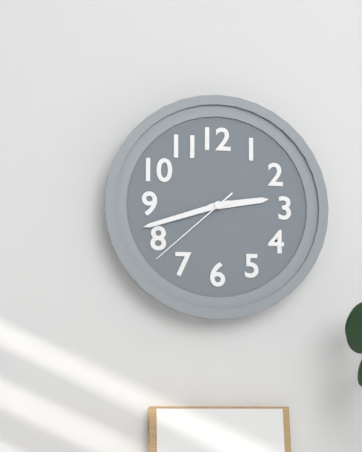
**2:42:38**
